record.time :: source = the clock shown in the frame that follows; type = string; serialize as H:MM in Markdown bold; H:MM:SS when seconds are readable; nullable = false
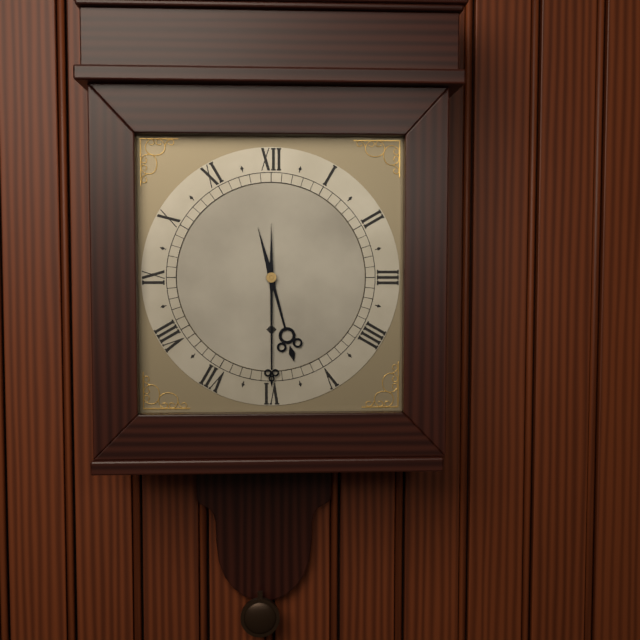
**5:30**
